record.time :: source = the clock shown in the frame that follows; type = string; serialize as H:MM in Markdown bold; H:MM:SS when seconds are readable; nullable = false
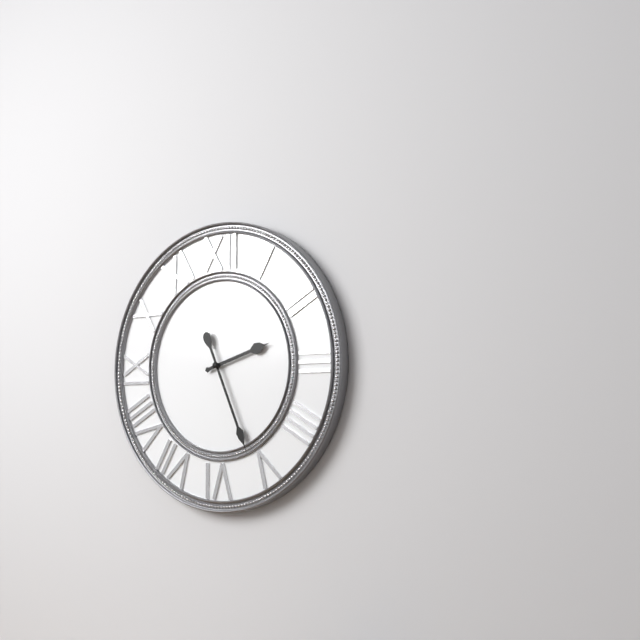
**2:26**
